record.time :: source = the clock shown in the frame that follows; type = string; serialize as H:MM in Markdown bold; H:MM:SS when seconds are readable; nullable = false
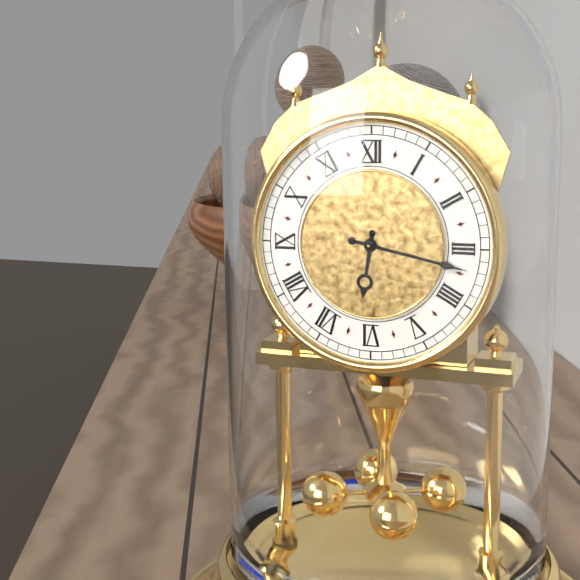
**6:17**
